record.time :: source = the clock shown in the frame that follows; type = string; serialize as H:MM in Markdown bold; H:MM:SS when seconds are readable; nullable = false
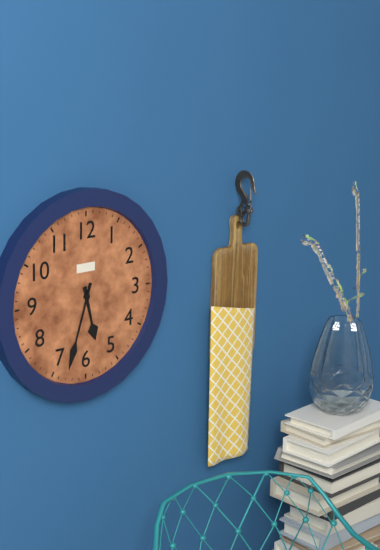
**5:33**
